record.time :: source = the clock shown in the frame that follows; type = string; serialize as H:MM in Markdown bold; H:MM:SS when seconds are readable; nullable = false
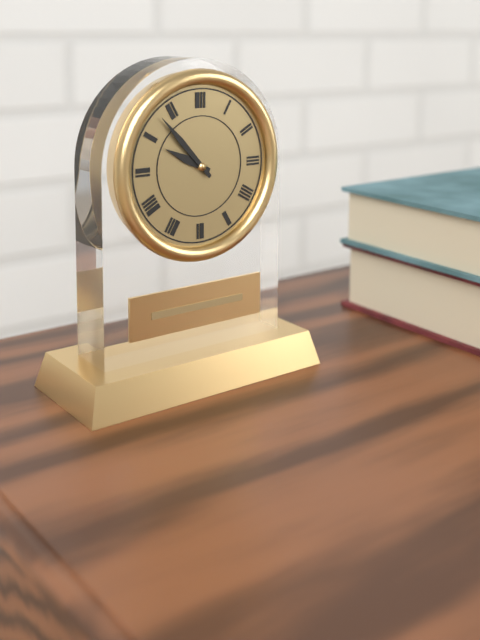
**9:53**
